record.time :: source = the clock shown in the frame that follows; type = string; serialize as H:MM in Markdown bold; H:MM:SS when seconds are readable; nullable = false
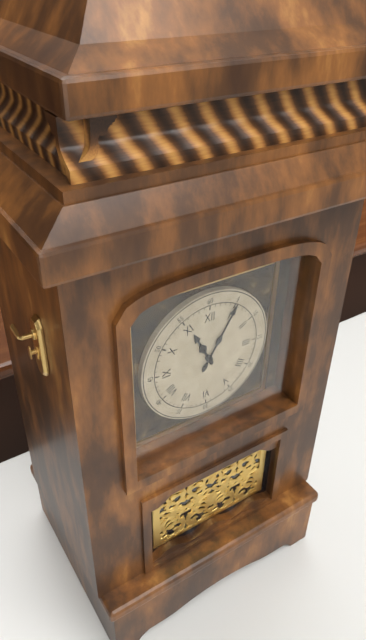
**11:05**
